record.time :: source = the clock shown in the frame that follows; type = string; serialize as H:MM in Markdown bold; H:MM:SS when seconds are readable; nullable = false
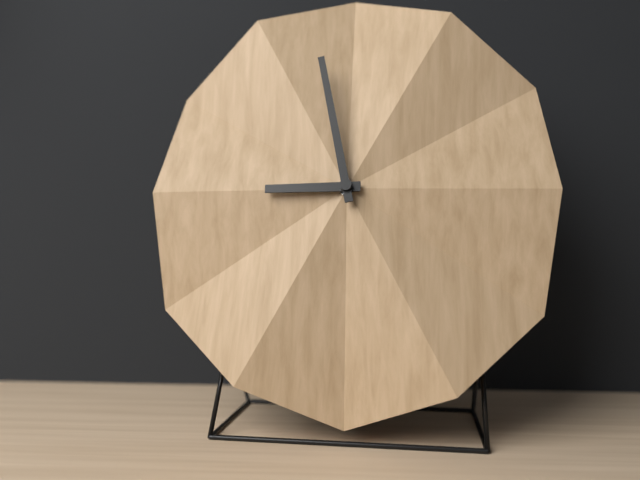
**8:58**
